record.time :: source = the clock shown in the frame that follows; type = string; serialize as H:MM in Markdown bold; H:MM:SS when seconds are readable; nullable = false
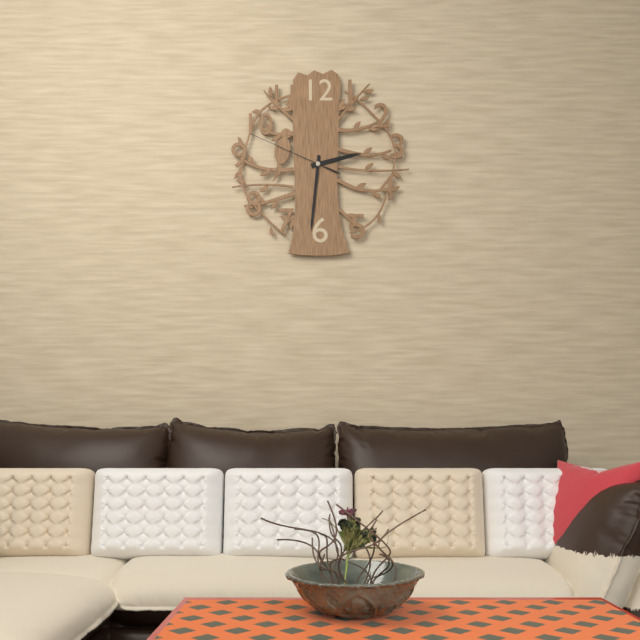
**2:31:49**
